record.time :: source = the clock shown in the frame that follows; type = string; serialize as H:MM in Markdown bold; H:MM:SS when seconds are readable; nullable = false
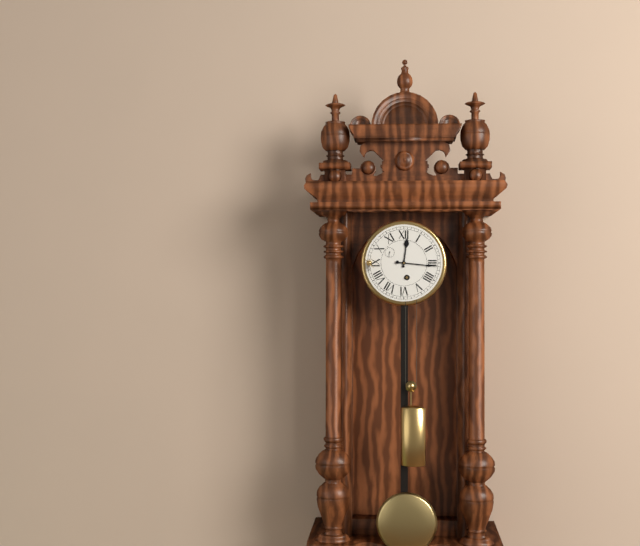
**12:16**
